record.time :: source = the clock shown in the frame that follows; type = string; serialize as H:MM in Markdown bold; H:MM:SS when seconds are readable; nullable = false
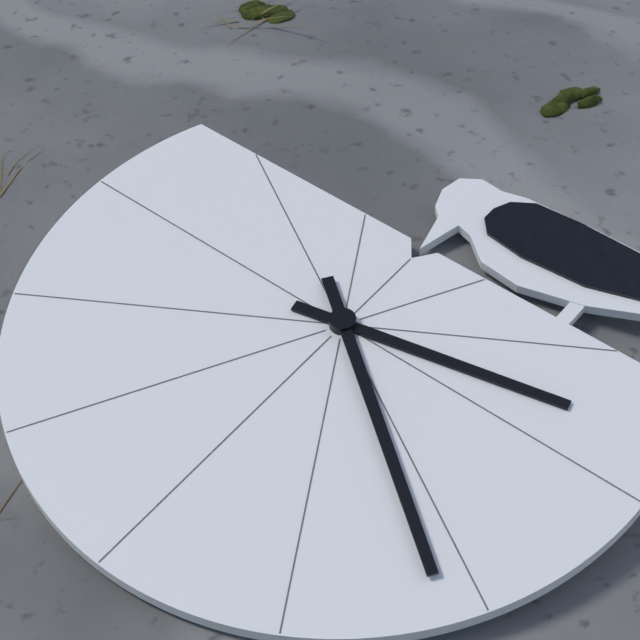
**5:36**
